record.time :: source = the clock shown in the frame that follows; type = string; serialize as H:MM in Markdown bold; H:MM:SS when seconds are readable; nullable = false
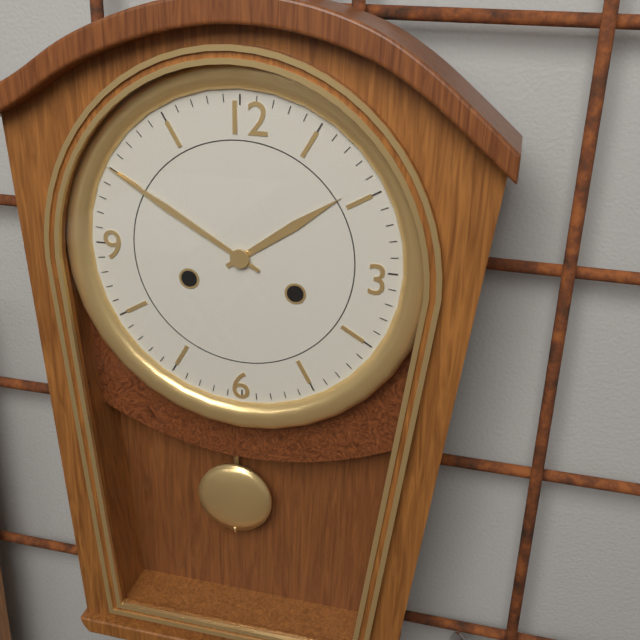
**1:50**
